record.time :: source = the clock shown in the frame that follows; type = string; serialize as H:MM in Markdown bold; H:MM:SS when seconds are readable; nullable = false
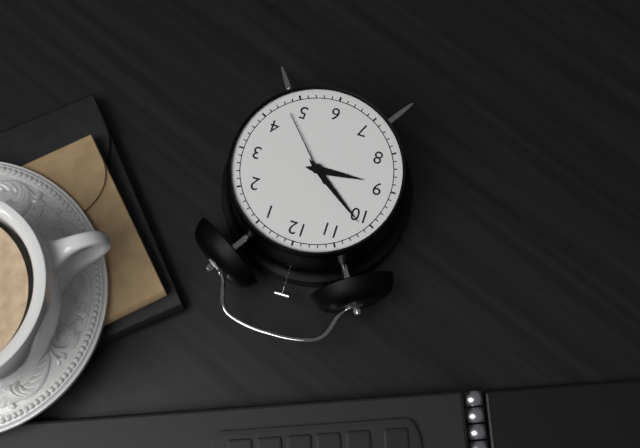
**8:51:23**
